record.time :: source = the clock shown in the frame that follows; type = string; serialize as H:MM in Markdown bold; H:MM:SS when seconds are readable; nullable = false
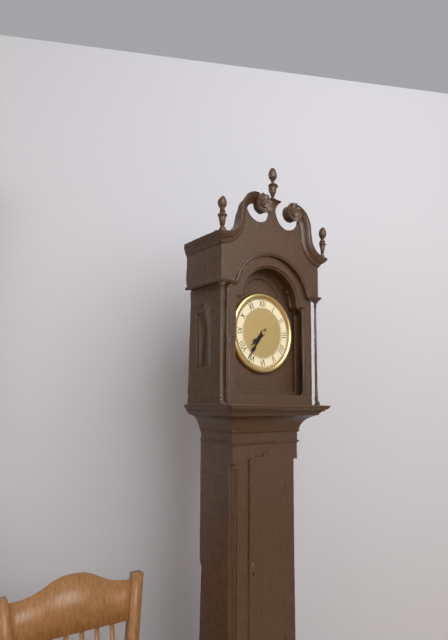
**7:36**
